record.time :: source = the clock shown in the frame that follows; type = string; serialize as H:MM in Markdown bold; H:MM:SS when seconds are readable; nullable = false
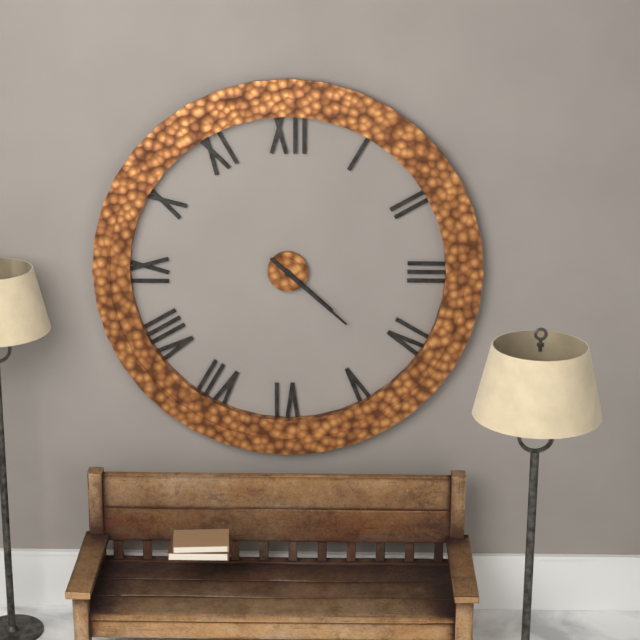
**4:22**
